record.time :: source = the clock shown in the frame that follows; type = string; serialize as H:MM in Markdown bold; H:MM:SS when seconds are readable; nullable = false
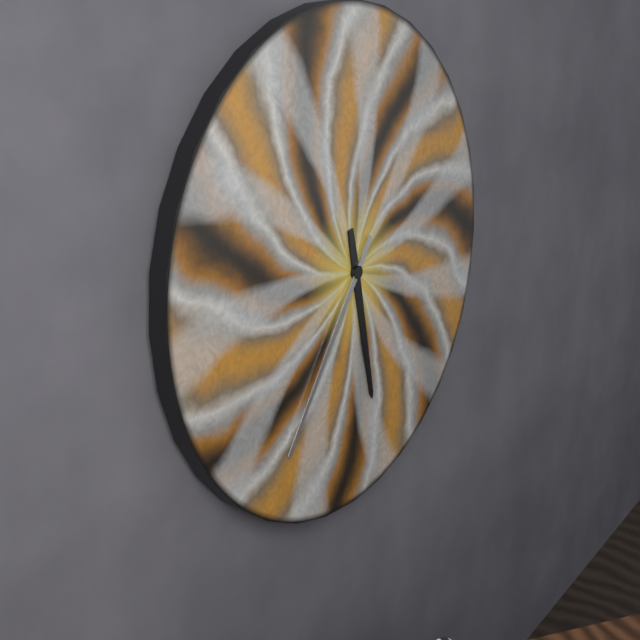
**5:36**
